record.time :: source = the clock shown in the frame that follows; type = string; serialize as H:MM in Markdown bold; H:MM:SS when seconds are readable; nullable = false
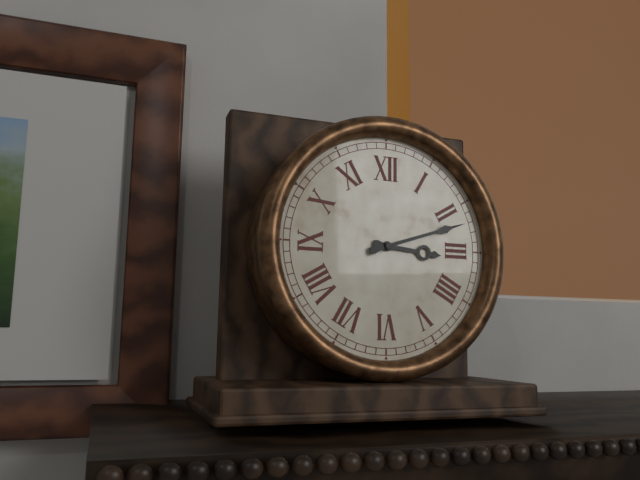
**3:12**
